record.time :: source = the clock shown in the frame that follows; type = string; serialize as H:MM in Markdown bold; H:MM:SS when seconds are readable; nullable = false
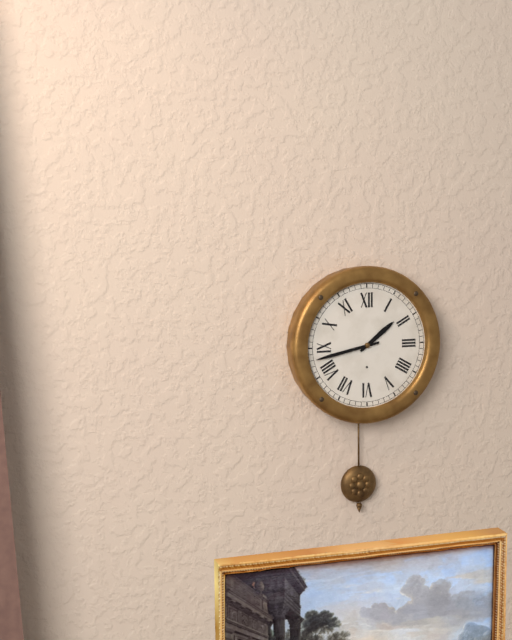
**1:43**
